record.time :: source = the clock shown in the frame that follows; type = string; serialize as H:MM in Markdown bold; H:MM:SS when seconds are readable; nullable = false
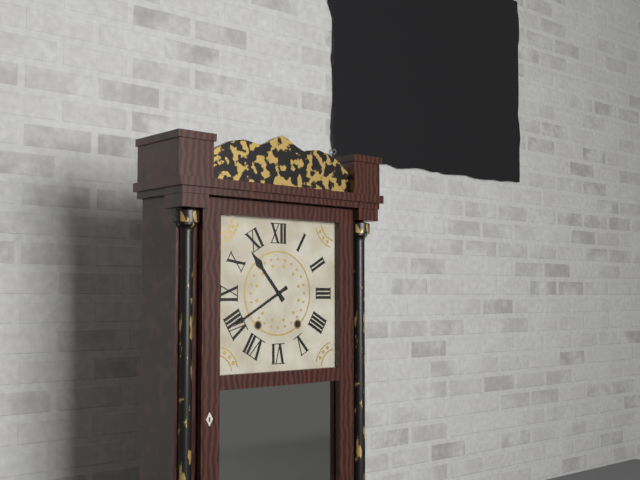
**10:40**
